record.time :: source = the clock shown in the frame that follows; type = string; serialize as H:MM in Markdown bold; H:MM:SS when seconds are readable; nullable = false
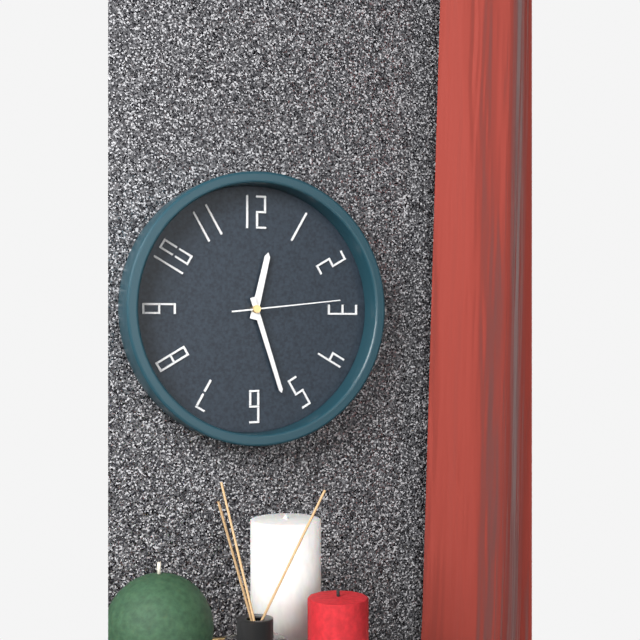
**12:27:14**
